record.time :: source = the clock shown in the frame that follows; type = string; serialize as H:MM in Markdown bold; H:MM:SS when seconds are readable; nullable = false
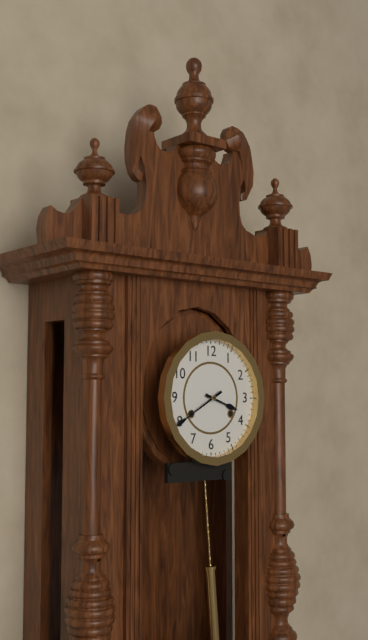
**3:40**
